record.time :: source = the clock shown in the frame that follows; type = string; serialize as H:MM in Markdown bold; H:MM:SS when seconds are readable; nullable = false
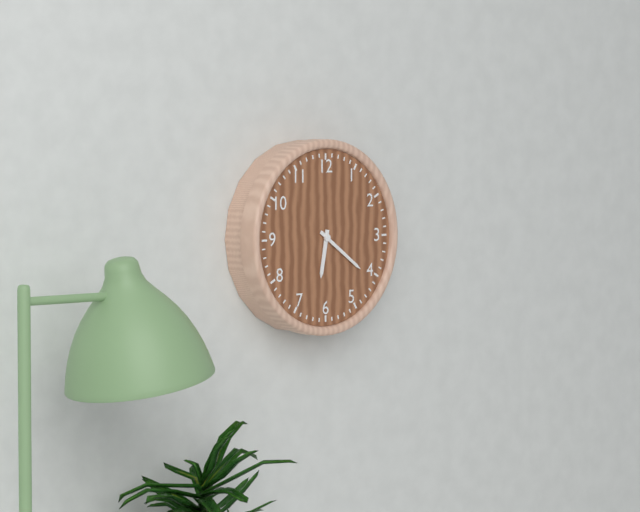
**6:21**
